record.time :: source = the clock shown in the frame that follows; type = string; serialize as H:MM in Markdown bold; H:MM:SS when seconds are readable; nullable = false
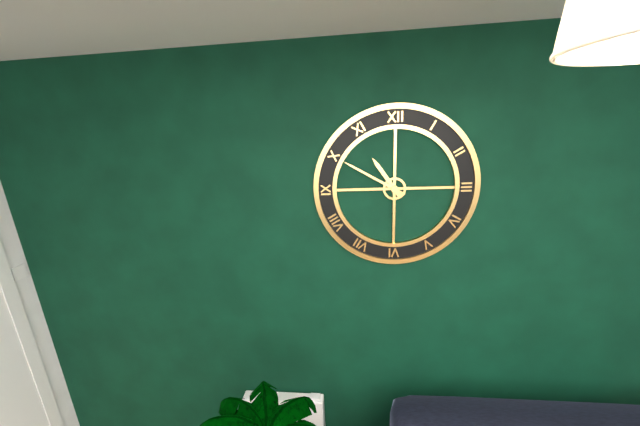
**10:50**
